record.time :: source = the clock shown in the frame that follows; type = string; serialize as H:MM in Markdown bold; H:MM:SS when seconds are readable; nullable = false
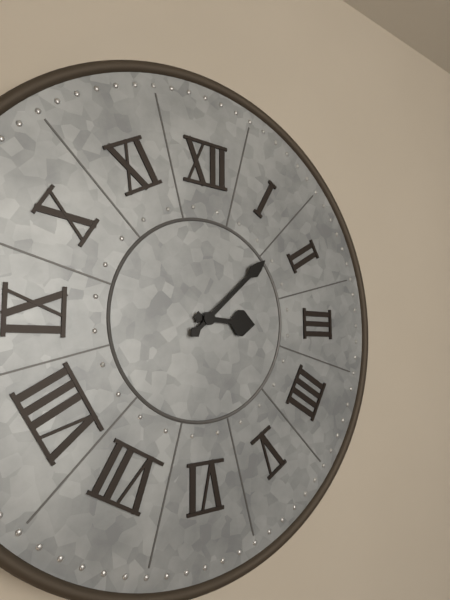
**3:08**
